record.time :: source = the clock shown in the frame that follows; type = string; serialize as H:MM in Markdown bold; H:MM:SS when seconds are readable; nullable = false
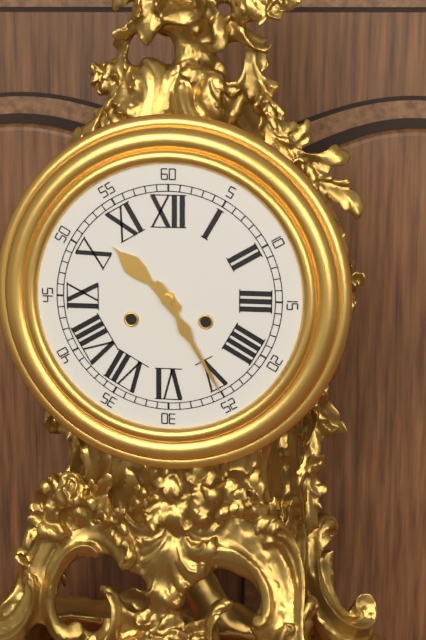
**10:25**
